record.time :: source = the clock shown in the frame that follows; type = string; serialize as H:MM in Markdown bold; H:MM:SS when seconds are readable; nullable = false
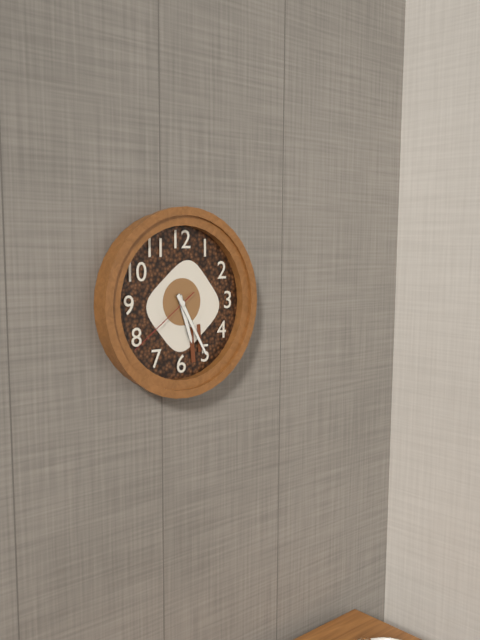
**5:25:39**
